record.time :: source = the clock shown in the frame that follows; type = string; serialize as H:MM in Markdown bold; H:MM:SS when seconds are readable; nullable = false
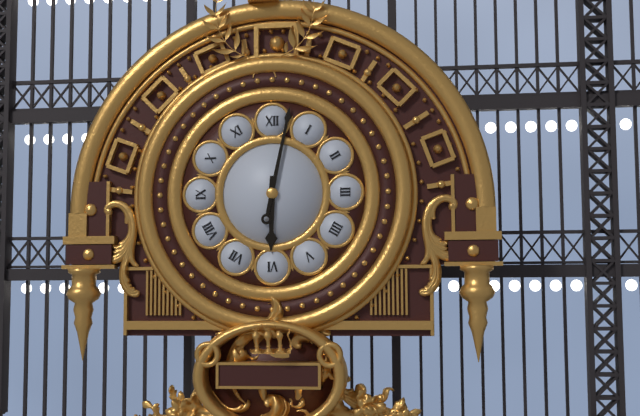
**6:02**
